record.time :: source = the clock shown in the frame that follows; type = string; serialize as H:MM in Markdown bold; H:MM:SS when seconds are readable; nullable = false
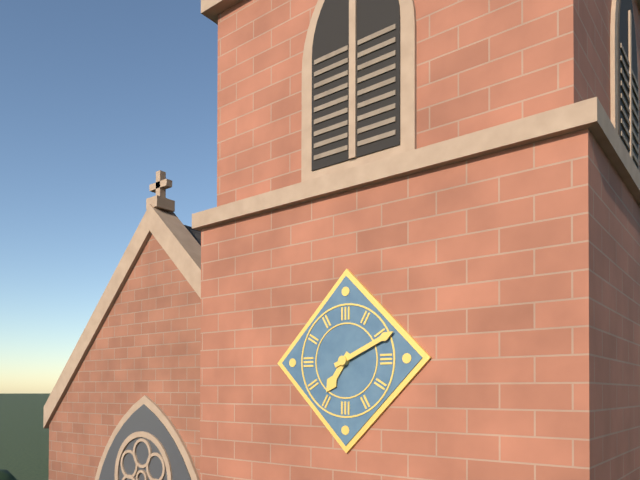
**7:11**
